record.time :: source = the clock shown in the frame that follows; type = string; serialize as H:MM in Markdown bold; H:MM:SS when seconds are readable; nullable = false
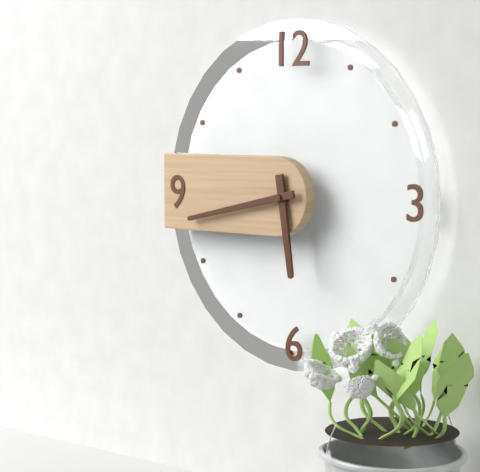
**5:43**
